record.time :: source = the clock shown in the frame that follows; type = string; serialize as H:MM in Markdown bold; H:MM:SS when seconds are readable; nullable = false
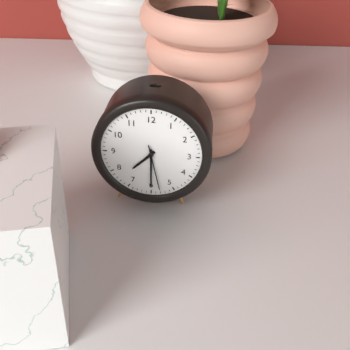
**7:30**
